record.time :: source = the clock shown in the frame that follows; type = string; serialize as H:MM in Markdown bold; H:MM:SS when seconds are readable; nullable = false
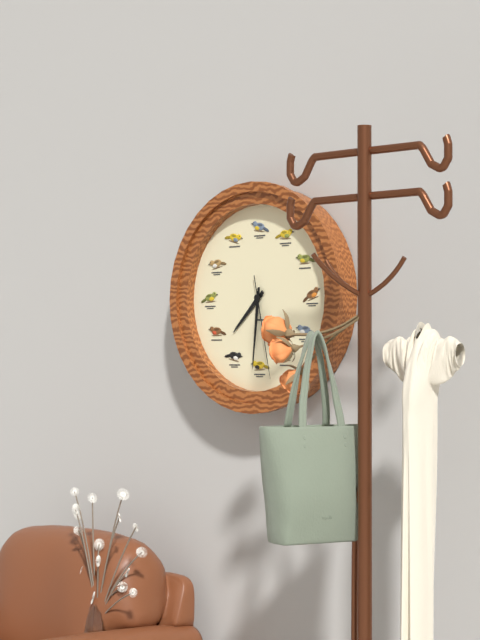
**7:31:28**
